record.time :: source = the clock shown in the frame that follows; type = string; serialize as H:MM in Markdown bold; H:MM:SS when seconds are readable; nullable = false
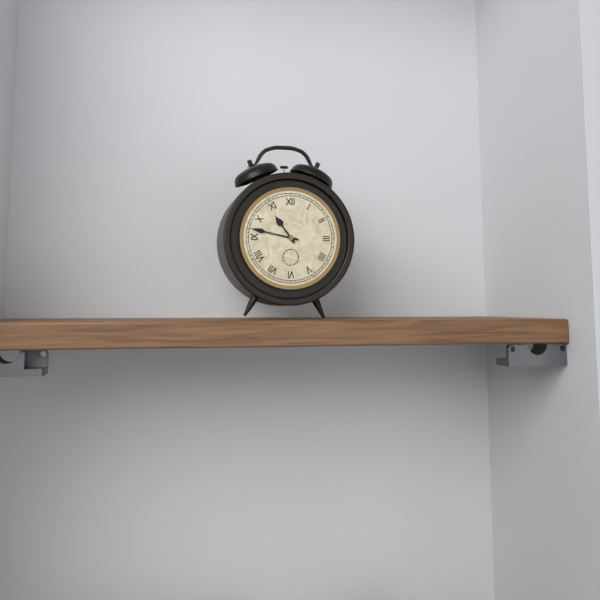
**10:47**
